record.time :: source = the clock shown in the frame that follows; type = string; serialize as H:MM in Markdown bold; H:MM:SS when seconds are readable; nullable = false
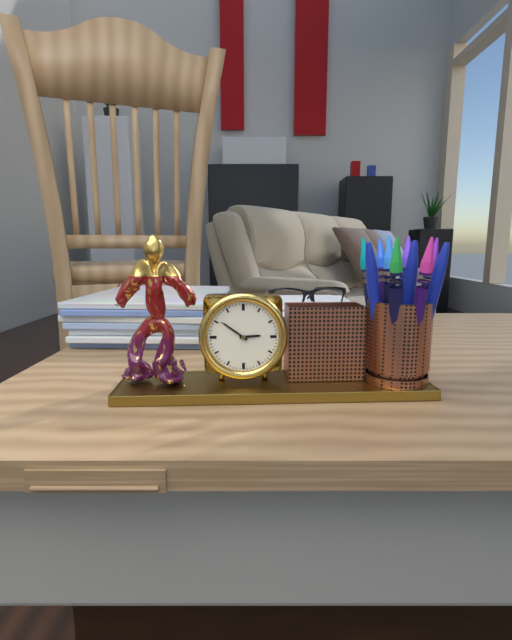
**2:51**
